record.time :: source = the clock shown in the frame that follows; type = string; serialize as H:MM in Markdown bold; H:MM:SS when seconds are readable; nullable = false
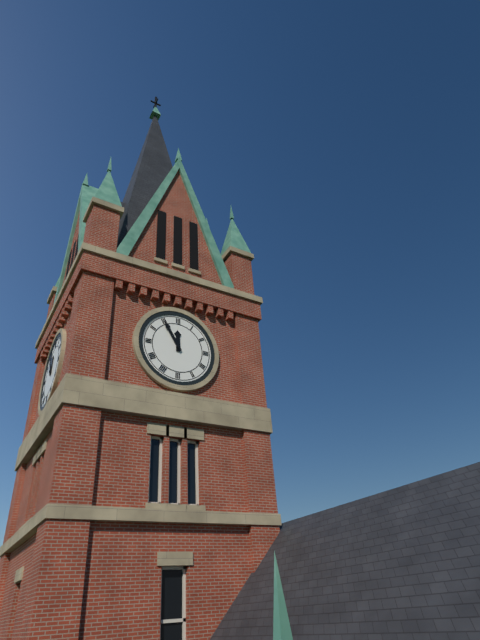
**11:55**
